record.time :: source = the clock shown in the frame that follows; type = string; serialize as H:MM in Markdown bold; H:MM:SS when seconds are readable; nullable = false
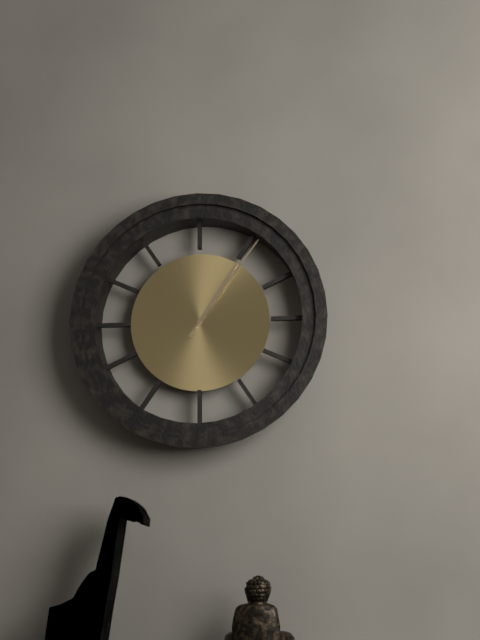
**1:06**
